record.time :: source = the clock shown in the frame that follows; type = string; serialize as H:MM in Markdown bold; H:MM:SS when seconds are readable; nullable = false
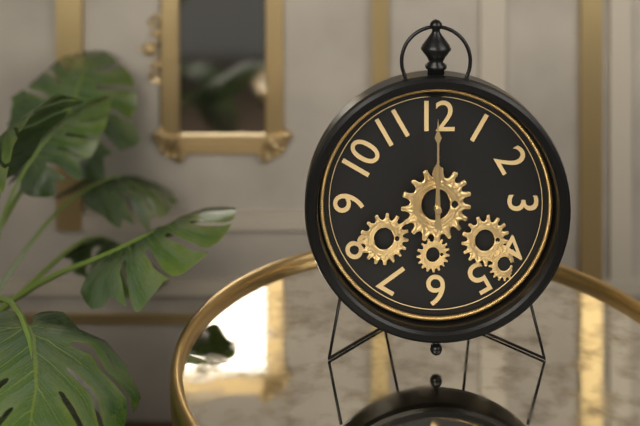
**12:00**
